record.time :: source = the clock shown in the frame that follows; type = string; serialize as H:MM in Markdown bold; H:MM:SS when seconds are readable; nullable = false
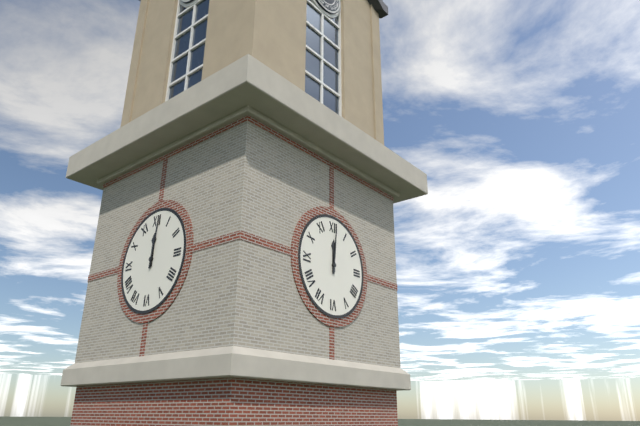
**12:01**
